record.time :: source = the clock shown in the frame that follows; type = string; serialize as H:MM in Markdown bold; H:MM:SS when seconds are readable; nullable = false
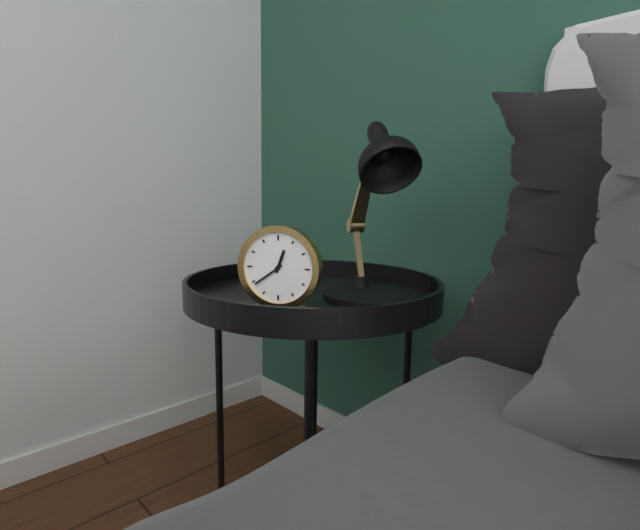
**12:39**
